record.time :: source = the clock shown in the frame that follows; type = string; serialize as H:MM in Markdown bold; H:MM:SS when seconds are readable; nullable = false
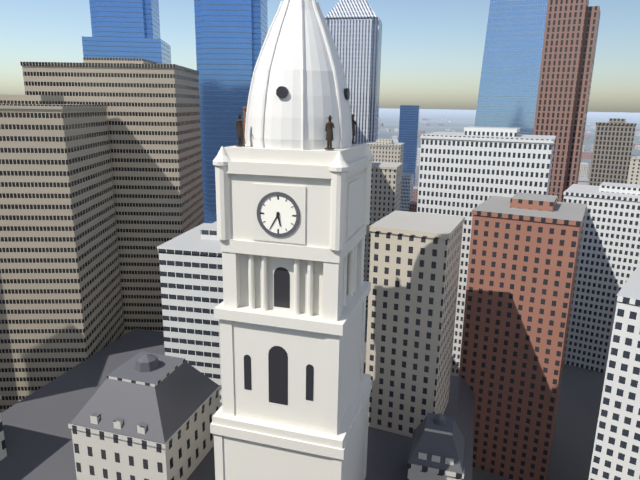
**5:35**
